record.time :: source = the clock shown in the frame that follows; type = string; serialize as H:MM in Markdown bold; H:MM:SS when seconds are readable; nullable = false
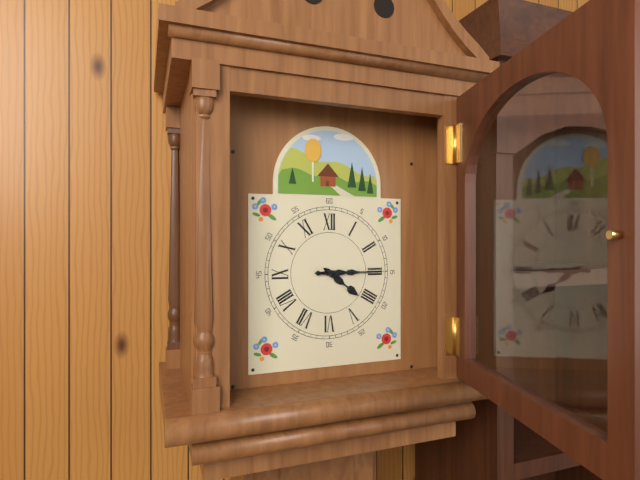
**4:15**
